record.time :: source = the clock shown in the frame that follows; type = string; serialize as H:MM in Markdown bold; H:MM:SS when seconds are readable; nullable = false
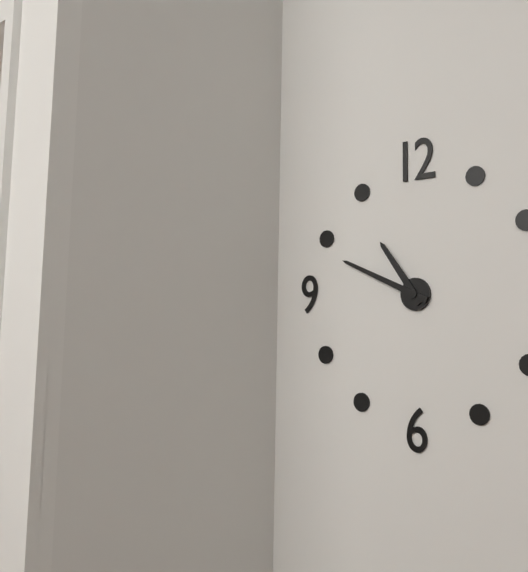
**10:49**
